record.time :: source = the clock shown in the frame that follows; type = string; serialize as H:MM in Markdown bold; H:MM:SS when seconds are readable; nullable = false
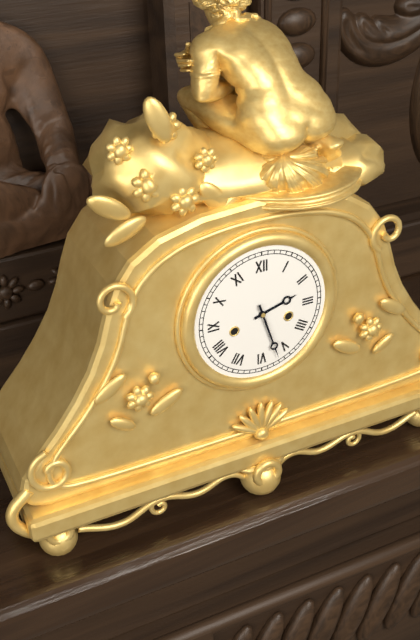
**2:27**
